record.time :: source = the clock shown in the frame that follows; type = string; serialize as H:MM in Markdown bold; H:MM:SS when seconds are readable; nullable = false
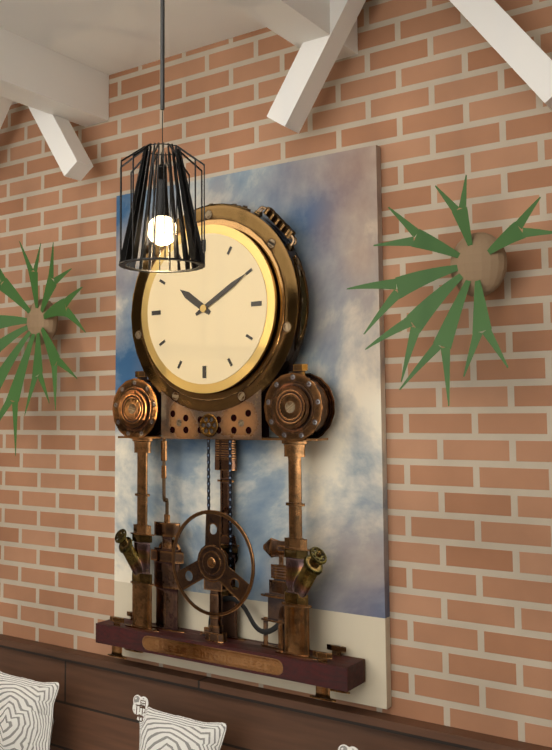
**10:10**
